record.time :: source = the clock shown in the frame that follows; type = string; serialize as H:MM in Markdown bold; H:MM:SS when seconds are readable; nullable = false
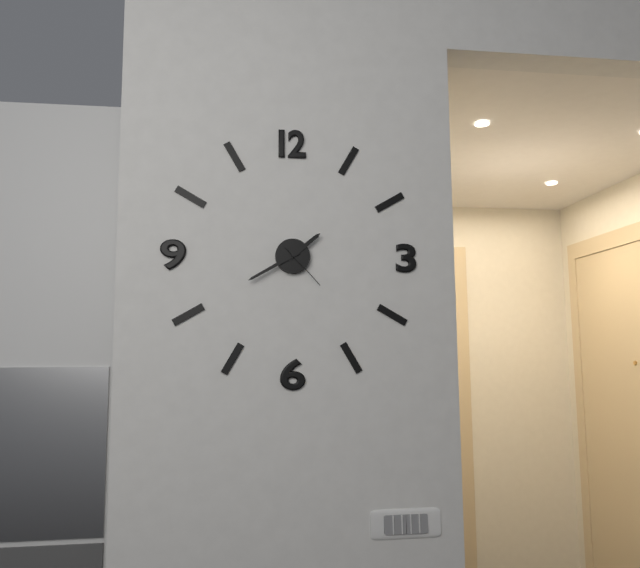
**1:40**
